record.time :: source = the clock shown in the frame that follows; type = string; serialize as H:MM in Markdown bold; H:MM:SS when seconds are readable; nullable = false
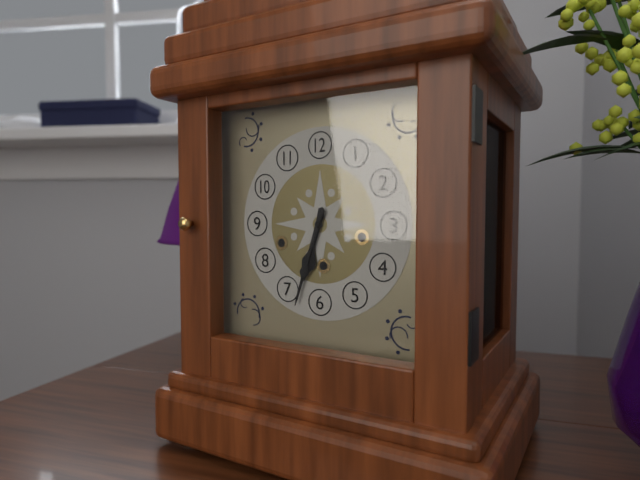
**6:33**
